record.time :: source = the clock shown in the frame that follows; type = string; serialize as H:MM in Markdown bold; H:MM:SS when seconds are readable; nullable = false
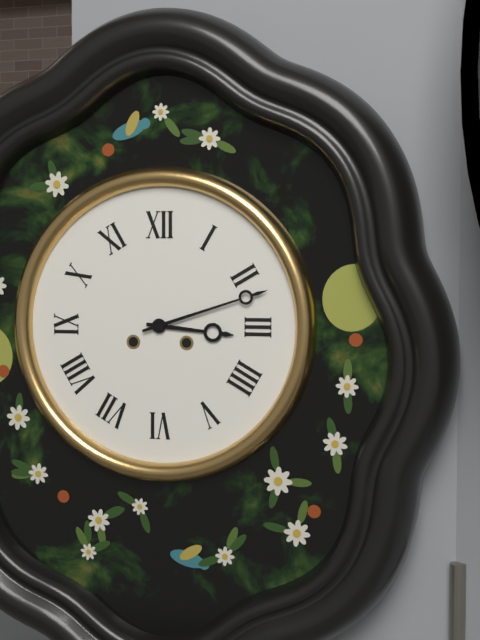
**3:12**
